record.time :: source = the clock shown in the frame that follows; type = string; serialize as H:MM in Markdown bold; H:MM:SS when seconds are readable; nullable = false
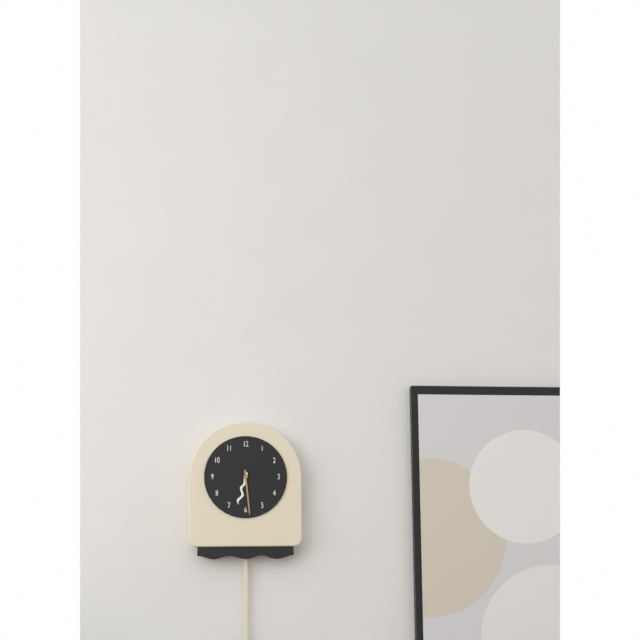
**6:29**
